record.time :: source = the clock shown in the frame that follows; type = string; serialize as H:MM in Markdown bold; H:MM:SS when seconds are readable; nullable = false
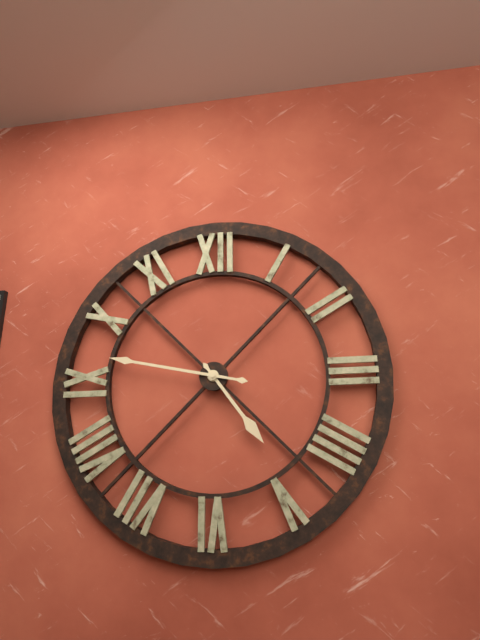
**4:47**
